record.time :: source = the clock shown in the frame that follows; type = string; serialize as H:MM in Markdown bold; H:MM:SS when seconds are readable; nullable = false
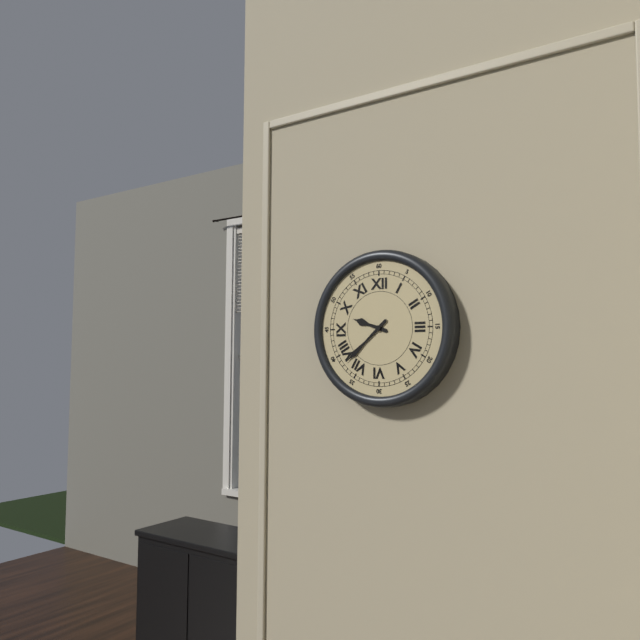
**9:38**
